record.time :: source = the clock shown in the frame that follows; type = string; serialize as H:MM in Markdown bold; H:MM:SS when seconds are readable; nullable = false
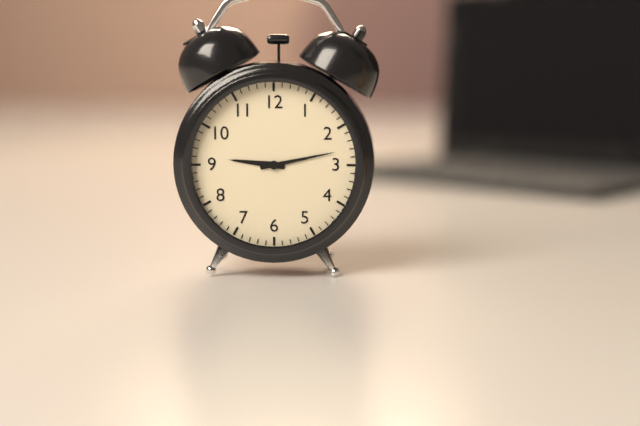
**9:13**
